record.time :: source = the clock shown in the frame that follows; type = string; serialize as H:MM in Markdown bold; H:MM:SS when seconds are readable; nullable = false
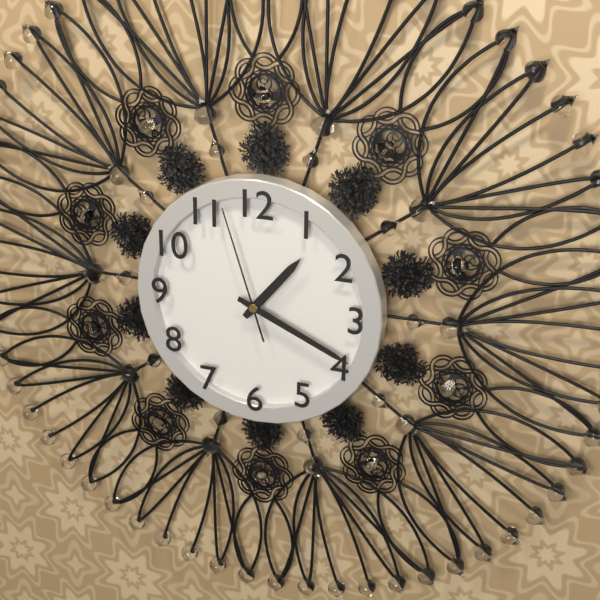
**1:19:57**
